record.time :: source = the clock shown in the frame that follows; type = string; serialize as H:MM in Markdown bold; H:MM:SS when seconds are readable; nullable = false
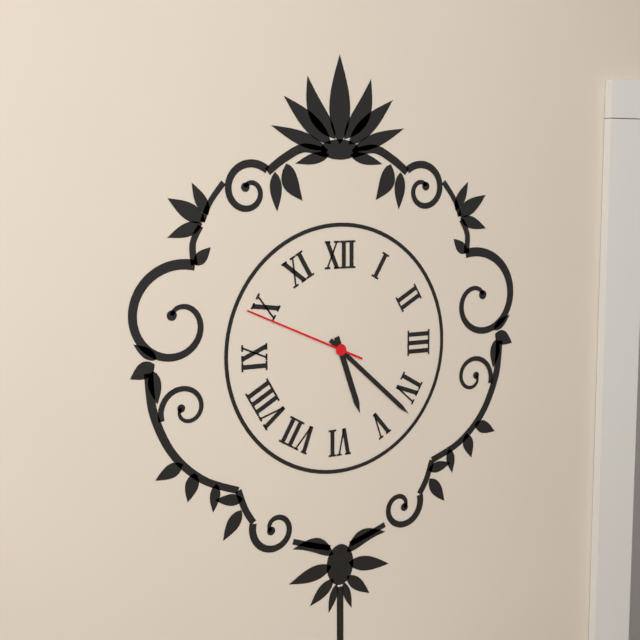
**5:22:49**
